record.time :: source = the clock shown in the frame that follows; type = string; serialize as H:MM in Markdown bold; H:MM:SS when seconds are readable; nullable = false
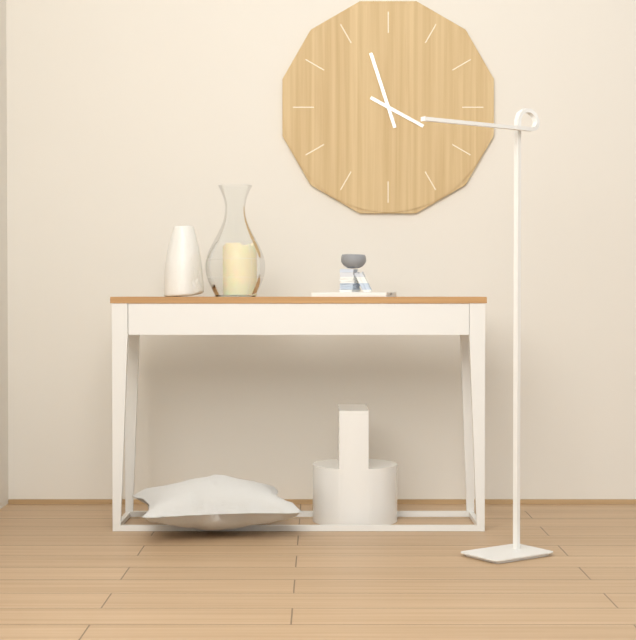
**3:57**
